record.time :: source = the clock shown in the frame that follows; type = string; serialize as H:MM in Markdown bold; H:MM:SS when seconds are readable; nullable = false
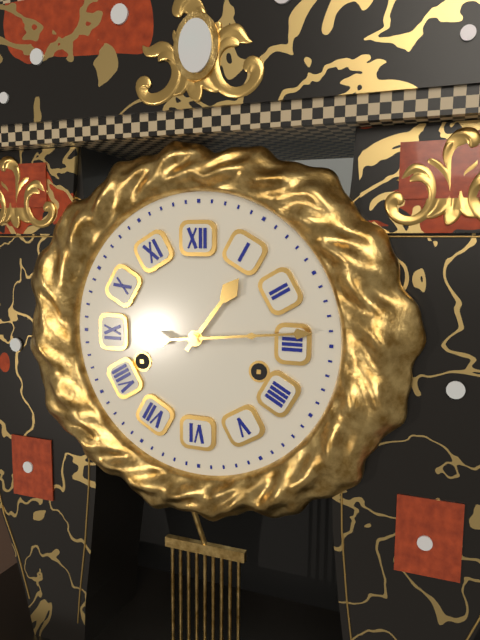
**1:14**
